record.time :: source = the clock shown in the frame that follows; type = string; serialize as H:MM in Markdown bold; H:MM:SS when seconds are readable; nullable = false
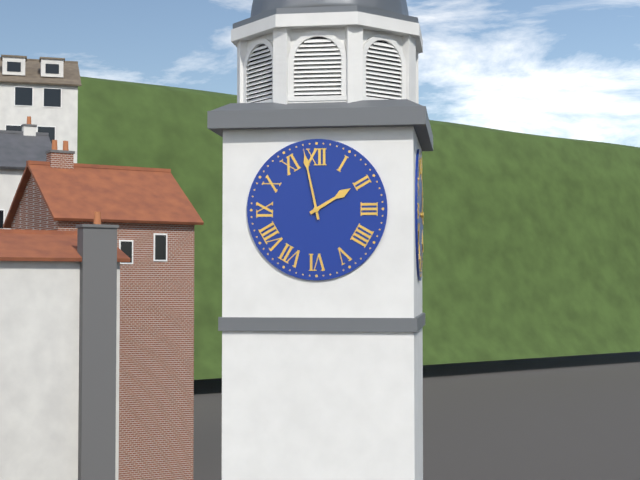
**1:58**
